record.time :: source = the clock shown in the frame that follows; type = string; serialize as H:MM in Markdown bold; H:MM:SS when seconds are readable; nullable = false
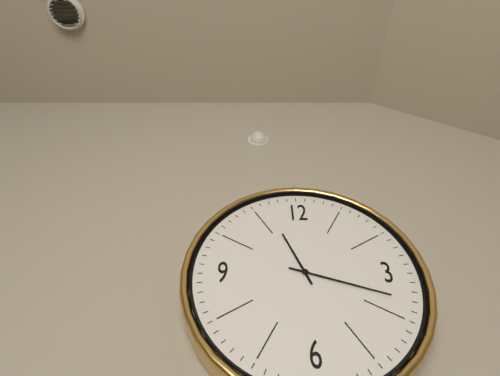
**11:18**
